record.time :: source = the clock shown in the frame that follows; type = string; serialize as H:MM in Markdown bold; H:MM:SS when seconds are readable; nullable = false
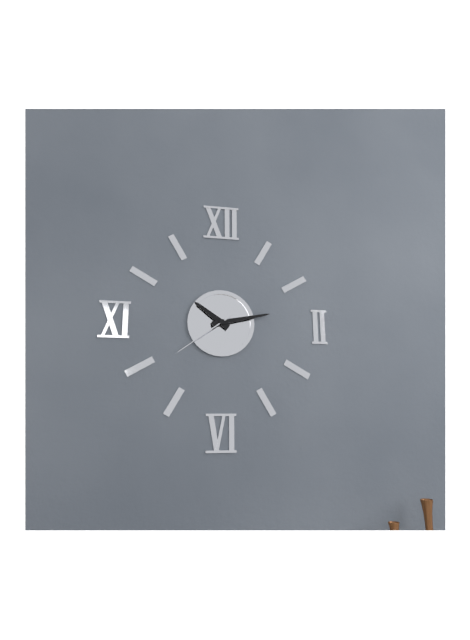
**10:13:39**
